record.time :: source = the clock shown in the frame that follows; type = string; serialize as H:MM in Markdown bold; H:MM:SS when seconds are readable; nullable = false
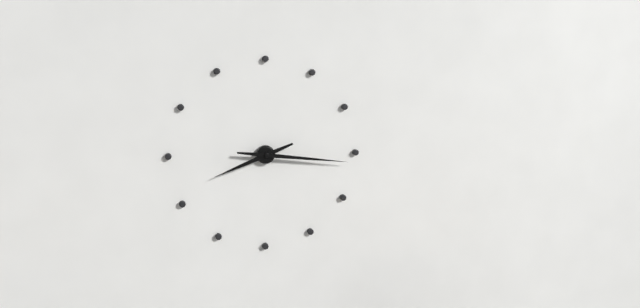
**8:16**
